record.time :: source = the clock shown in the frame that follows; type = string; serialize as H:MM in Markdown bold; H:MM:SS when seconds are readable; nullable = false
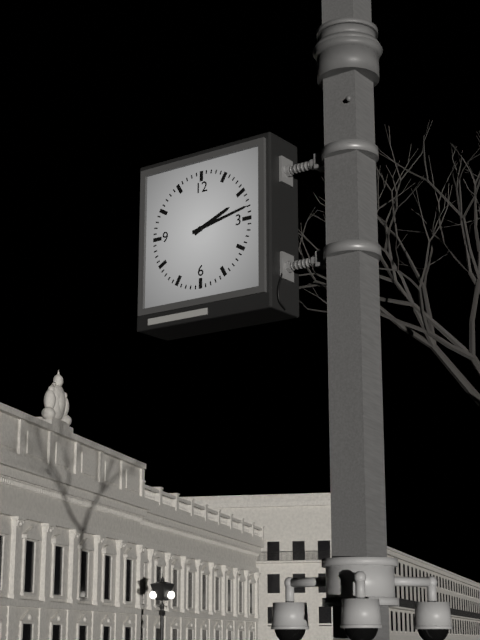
**2:13**
